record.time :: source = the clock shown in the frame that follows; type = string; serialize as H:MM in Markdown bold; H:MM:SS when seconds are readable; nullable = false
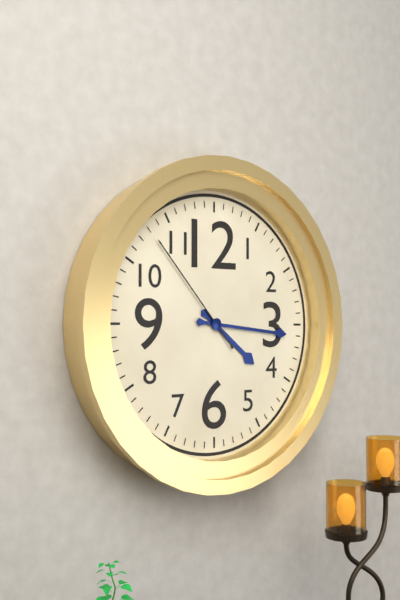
**4:16:53**
